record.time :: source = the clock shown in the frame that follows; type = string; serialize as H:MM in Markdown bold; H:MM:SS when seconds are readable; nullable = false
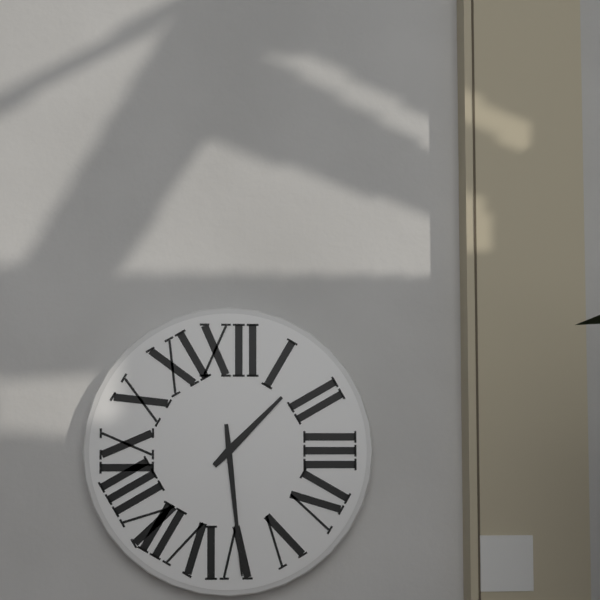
**1:29**
